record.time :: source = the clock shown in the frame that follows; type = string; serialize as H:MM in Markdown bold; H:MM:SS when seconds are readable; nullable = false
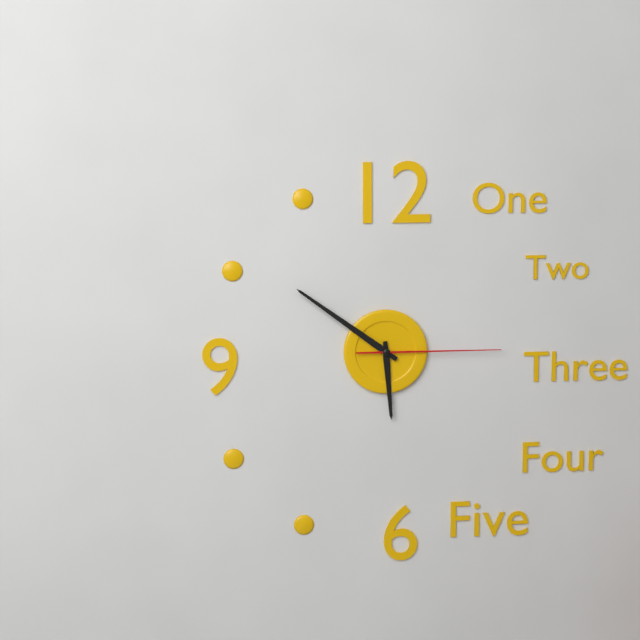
**5:51:15**
